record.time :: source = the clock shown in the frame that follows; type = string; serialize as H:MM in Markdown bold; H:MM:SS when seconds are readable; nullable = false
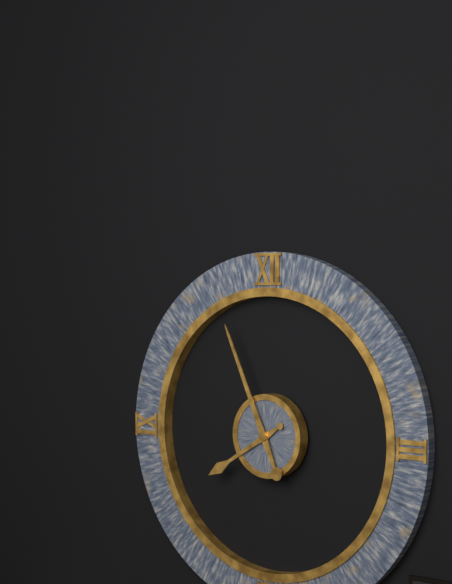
**7:56**
